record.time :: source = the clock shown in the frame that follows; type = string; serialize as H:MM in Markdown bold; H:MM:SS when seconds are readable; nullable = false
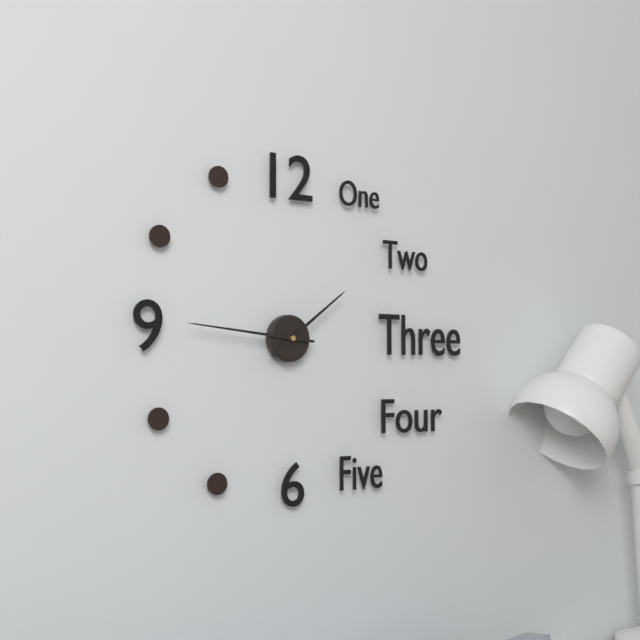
**1:46**
